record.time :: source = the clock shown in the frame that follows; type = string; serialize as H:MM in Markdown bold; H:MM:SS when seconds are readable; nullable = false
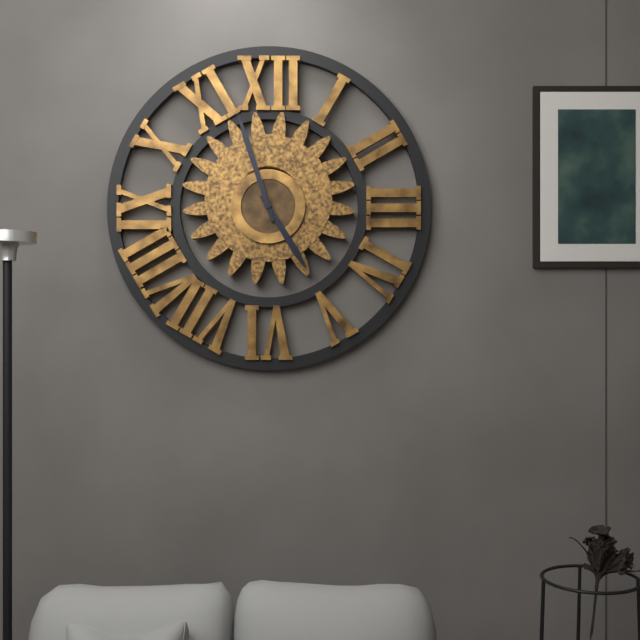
**4:57**
